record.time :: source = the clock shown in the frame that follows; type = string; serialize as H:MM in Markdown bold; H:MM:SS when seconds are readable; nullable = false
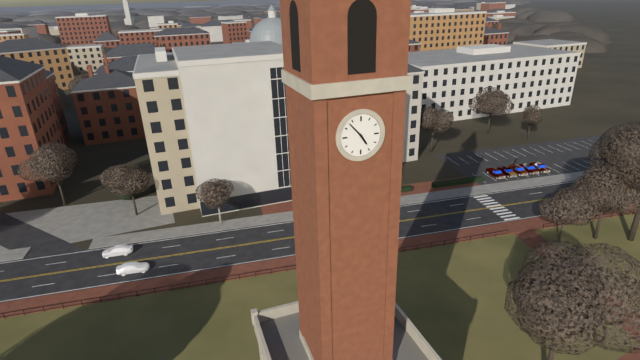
**4:53**
